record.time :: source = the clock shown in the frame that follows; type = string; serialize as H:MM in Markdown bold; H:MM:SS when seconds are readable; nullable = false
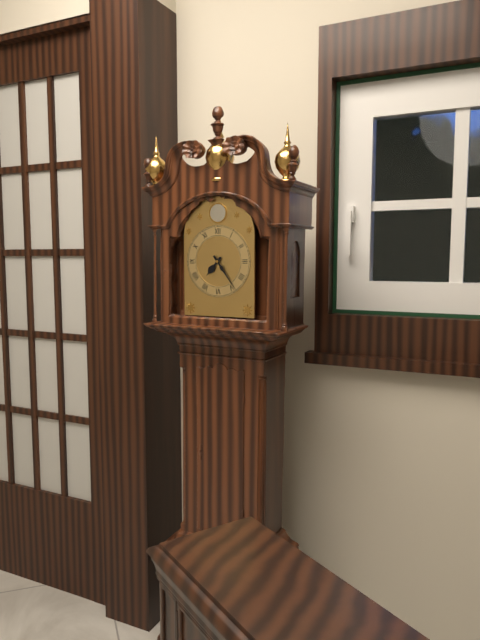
**7:24**
